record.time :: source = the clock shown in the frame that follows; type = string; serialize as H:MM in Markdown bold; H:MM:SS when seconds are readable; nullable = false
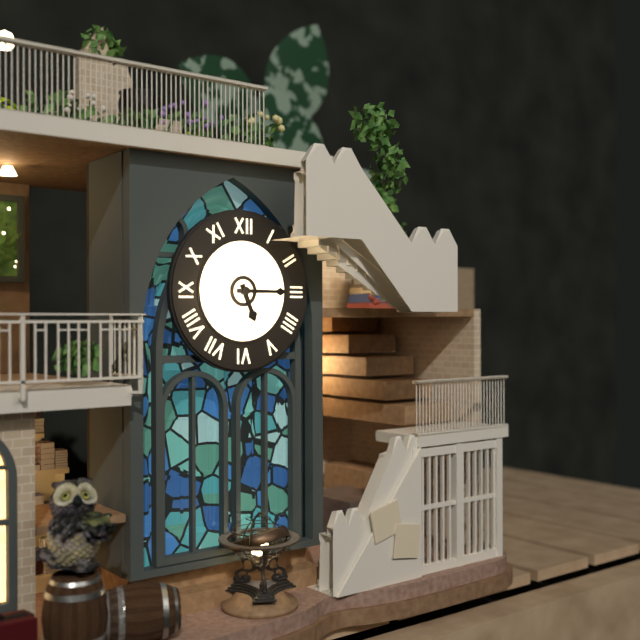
**5:15**
